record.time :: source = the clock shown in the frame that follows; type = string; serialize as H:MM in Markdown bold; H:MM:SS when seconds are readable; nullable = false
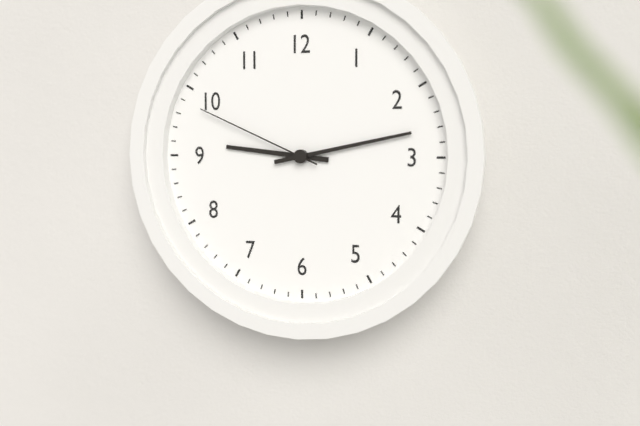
**9:13:49**
